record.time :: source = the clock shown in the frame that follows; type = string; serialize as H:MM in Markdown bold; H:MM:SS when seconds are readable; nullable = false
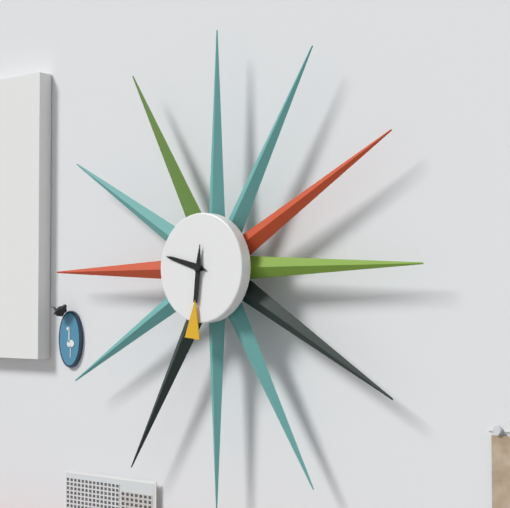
**9:31**
